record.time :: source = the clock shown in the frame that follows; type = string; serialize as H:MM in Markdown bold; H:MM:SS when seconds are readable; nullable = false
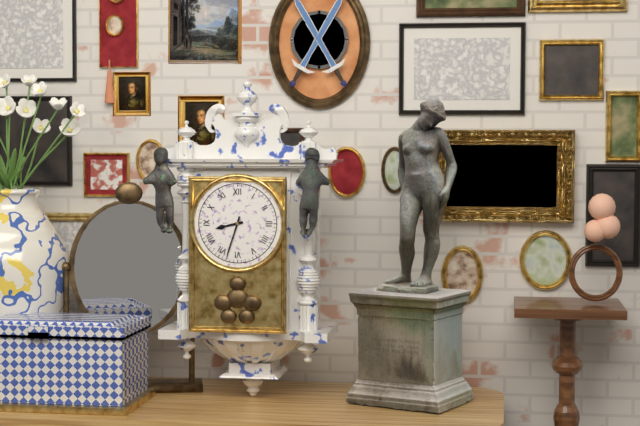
**8:33**
